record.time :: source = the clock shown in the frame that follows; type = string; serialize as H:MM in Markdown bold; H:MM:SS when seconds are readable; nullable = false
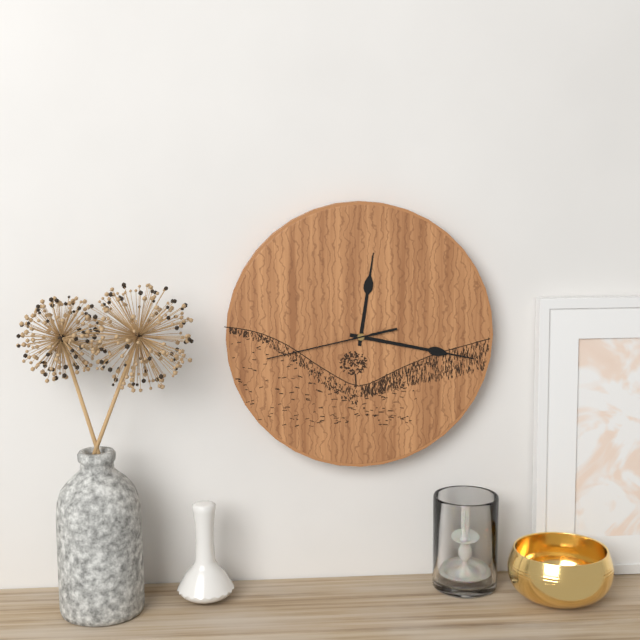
**12:17:43**
